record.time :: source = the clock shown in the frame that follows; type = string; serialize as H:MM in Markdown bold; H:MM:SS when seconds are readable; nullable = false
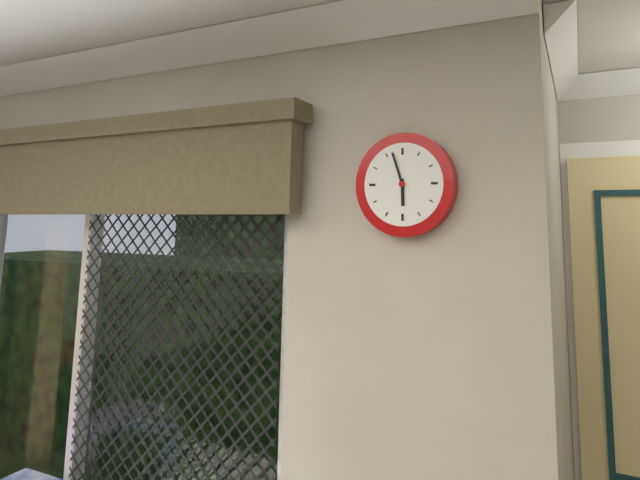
**5:57**
